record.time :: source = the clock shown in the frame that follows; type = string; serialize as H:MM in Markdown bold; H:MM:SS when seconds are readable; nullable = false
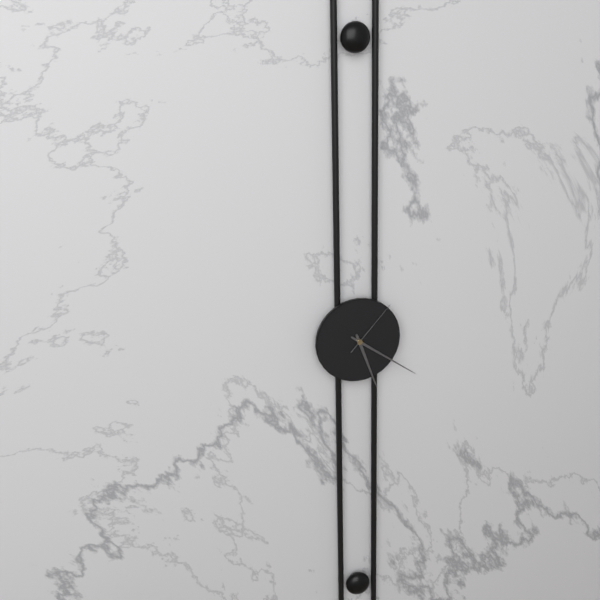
**5:21:07**
